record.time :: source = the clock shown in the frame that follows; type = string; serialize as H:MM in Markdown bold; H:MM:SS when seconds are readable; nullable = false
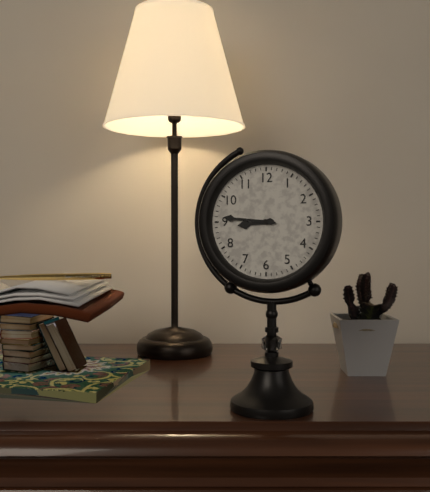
**8:46**
